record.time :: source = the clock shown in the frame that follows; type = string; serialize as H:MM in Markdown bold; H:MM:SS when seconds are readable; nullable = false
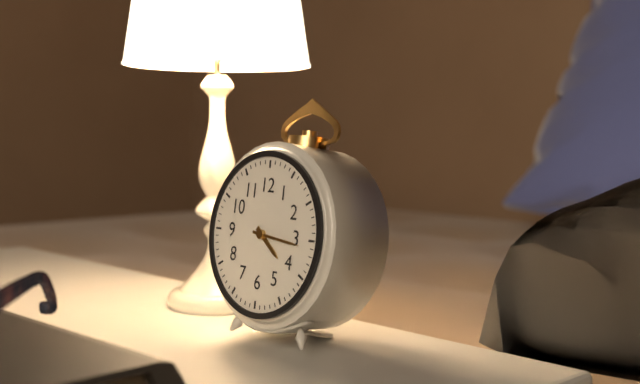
**4:16**
